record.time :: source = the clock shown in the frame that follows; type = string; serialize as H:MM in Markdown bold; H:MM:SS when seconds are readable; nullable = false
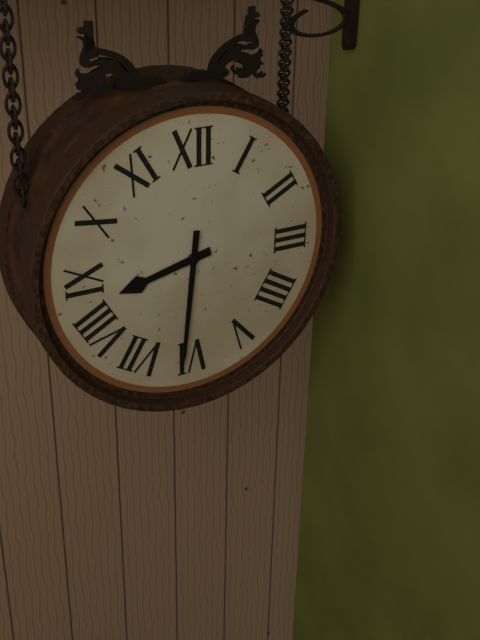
**8:31**
